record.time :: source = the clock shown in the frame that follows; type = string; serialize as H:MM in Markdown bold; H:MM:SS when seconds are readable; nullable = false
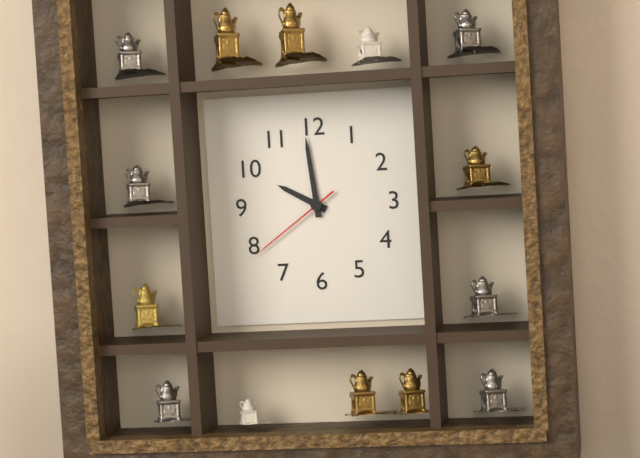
**9:59:39**
